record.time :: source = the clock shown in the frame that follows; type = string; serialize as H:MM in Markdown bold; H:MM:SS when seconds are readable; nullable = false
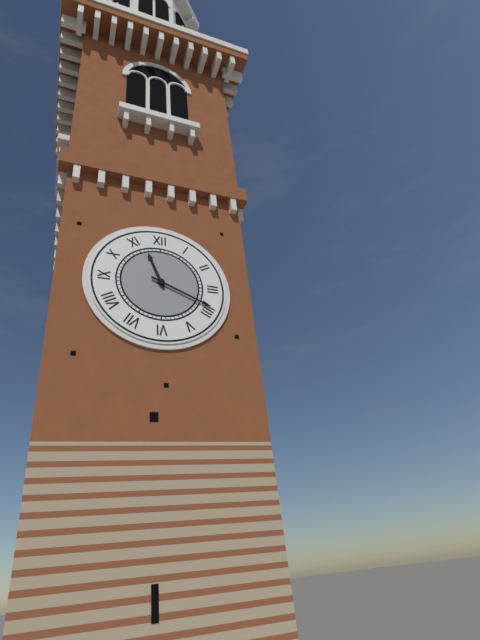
**11:19**
